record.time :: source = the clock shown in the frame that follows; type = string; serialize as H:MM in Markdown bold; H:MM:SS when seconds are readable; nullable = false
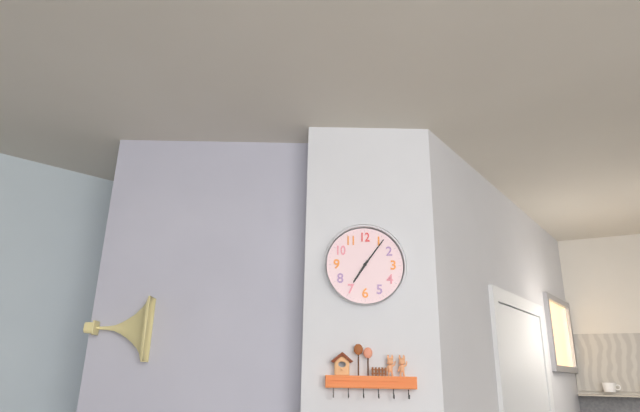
**7:06**
